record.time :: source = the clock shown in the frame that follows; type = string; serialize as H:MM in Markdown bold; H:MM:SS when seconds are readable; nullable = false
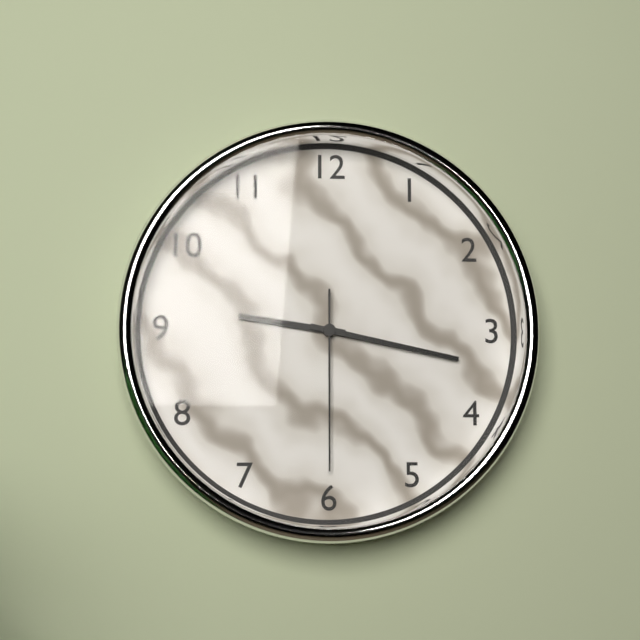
**9:17:30**
